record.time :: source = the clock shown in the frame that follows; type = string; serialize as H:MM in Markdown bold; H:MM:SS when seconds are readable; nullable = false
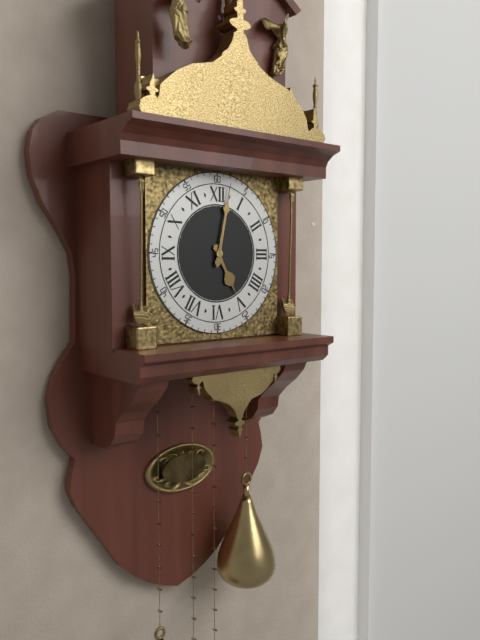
**5:02**
